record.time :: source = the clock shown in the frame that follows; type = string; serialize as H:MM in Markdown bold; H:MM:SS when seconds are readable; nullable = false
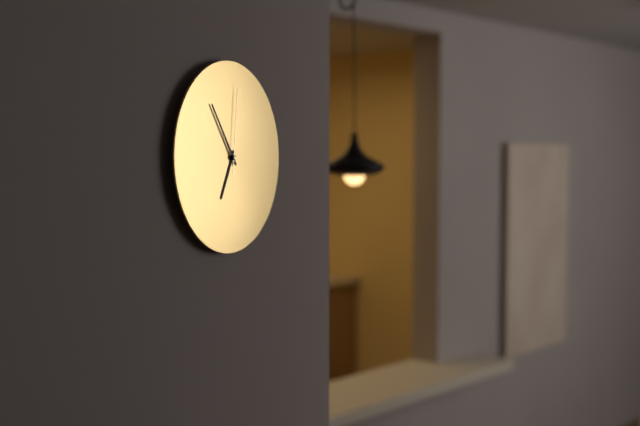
**6:54:01**
